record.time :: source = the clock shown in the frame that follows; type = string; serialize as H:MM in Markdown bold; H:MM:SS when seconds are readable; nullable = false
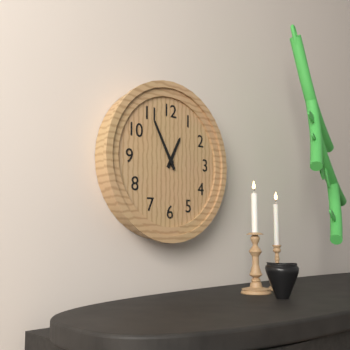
**12:55**
